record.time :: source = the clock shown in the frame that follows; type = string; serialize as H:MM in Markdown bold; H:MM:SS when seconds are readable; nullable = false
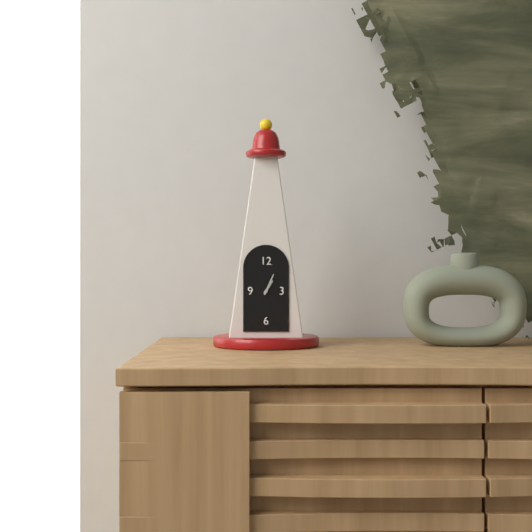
**1:04**
